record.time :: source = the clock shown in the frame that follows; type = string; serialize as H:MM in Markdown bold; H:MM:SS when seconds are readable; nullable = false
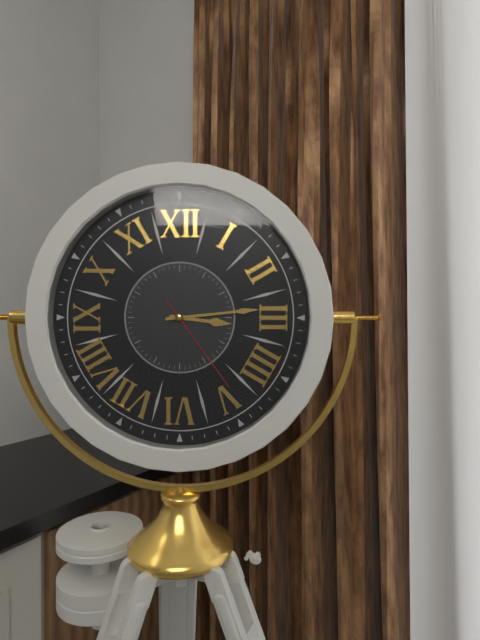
**3:14:24**
